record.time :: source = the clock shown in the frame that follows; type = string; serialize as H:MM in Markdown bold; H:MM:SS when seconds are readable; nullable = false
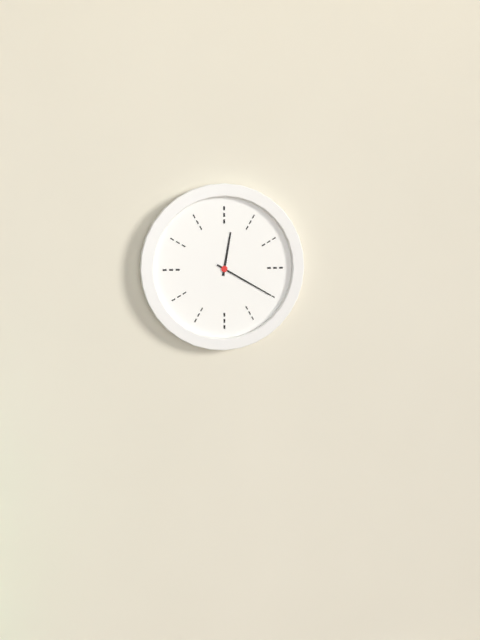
**12:20**
